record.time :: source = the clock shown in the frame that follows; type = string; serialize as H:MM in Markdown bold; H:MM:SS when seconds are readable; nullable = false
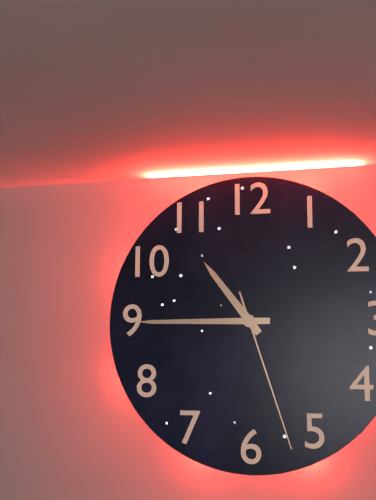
**10:45:27**
